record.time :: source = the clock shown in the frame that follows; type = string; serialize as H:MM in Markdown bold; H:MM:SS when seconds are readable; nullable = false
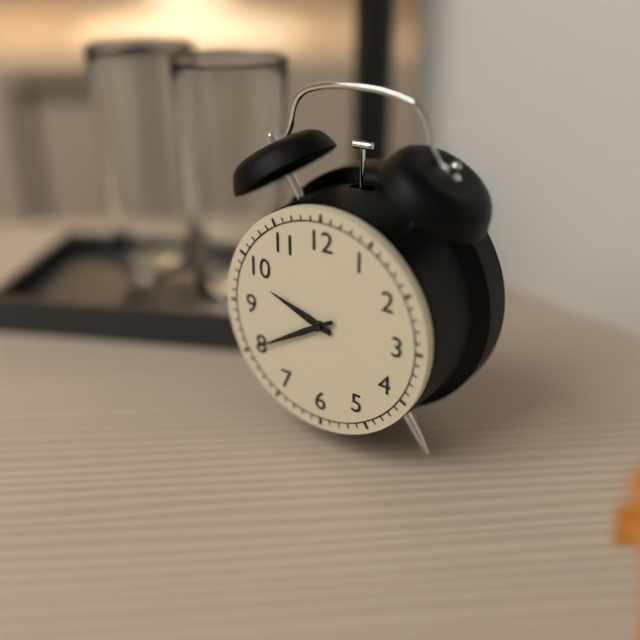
**9:40**
